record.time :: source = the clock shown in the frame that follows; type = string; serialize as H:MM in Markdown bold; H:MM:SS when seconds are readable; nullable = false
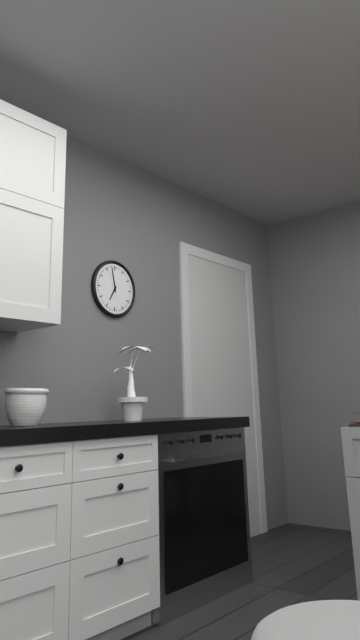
**6:58**
